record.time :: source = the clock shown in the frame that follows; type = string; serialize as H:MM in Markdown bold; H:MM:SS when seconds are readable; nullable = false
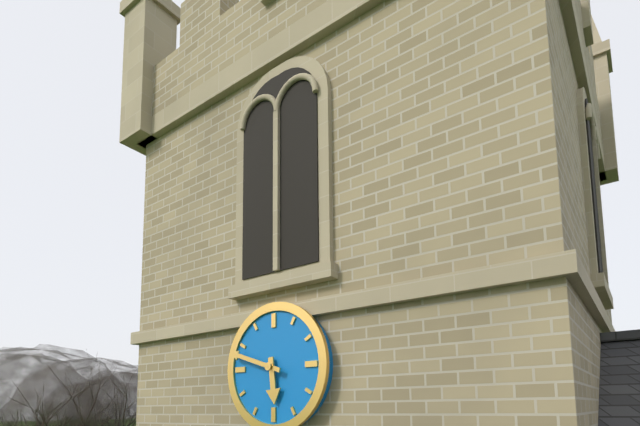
**5:48**
